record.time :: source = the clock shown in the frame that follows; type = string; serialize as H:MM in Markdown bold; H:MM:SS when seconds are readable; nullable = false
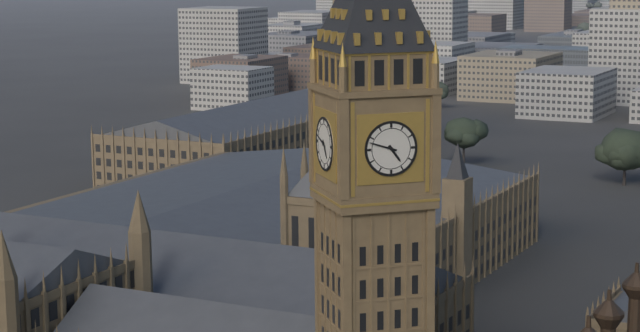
**4:48**
